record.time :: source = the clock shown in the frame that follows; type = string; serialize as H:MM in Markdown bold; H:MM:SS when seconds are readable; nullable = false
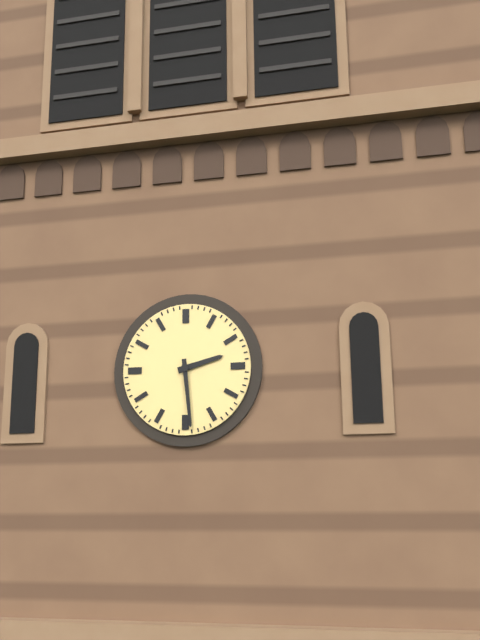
**2:29**
